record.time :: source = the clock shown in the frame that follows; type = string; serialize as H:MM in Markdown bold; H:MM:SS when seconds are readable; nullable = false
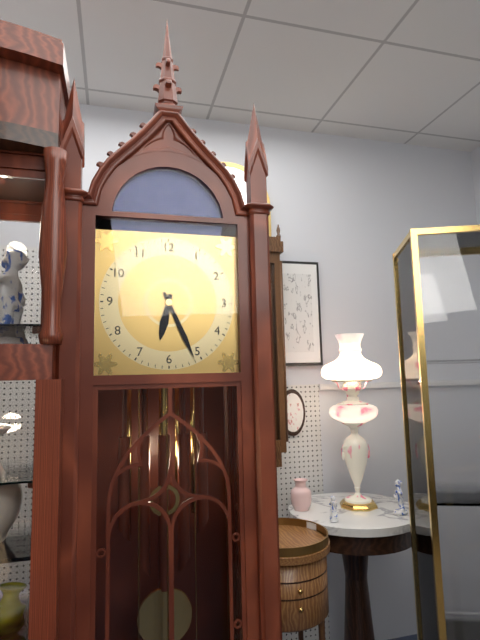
**6:26**
